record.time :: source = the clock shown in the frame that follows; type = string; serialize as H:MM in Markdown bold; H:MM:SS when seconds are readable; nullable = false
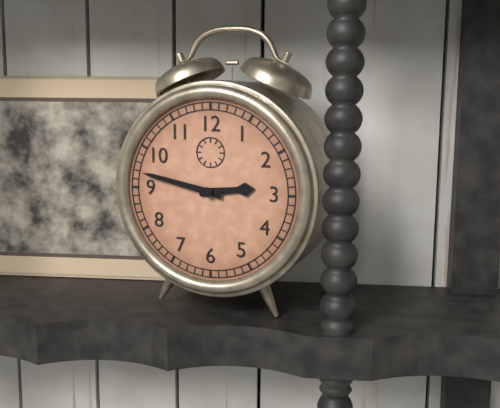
**2:47**
